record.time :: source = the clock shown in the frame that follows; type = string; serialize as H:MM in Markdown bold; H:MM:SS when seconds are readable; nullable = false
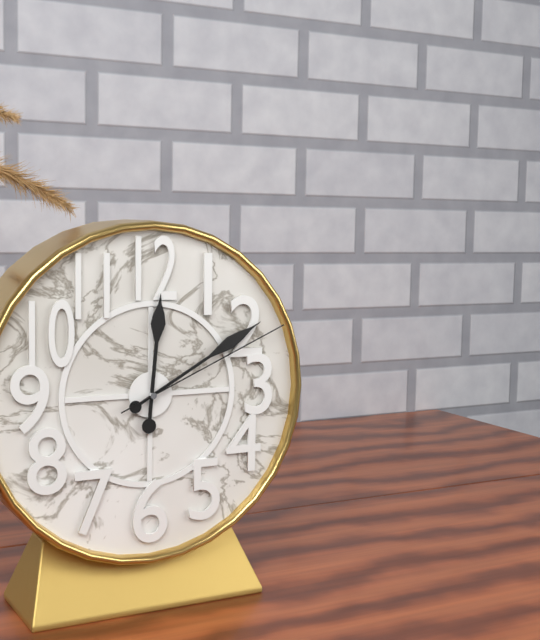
**12:10:11**
